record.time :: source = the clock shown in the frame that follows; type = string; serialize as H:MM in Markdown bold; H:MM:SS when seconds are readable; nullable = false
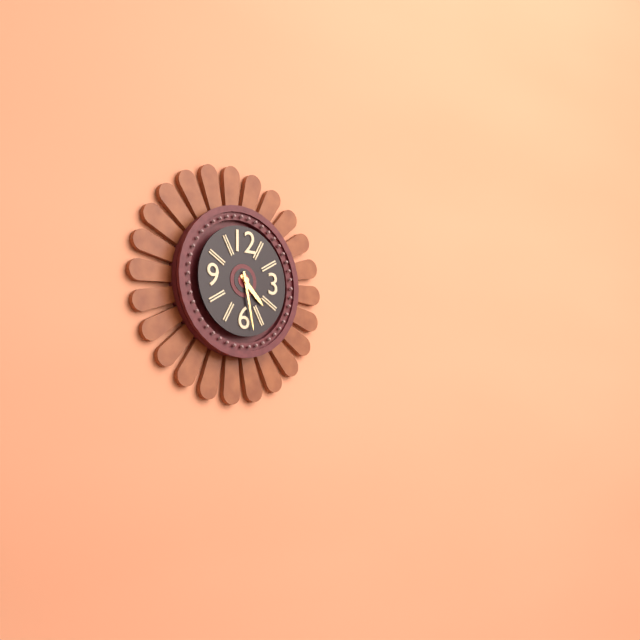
**4:28**
